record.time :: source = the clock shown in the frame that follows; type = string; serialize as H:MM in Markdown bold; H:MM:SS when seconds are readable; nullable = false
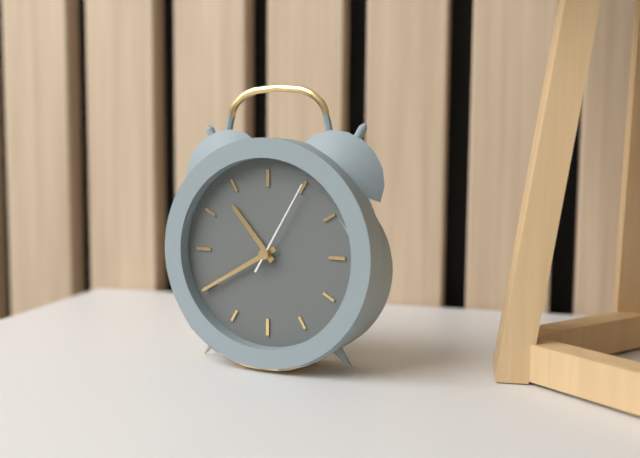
**10:40:05**
